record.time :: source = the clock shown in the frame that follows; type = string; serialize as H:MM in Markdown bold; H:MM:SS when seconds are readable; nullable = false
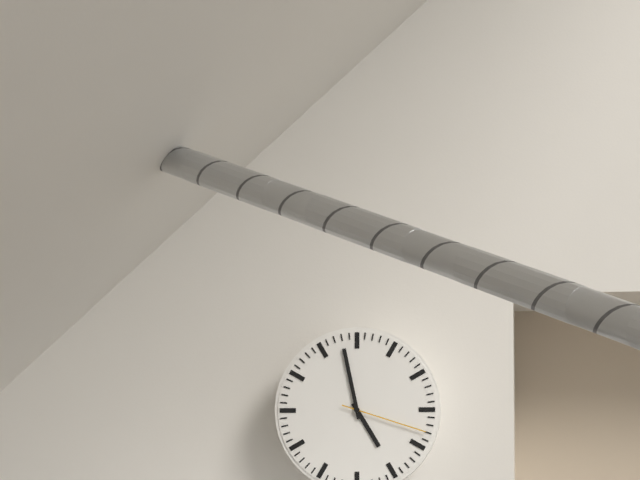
**4:58:18**
